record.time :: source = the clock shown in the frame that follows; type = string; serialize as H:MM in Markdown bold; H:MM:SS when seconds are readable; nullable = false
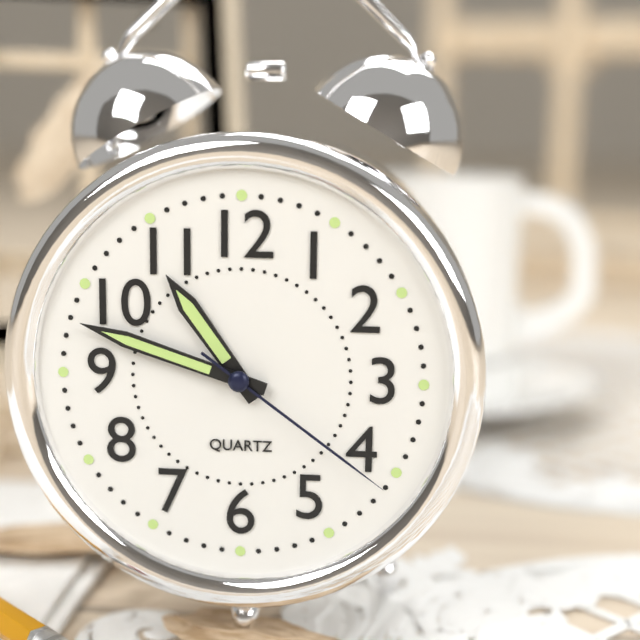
**10:48:21**
